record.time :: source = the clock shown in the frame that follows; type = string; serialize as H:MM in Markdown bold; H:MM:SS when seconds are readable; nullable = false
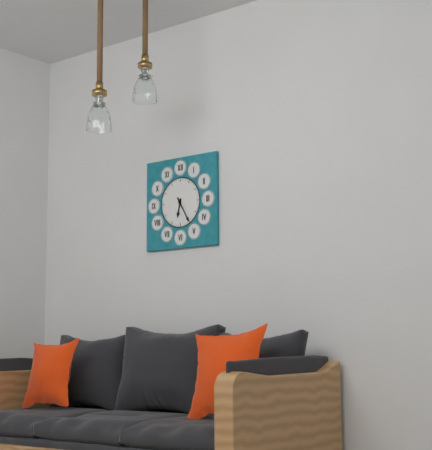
**6:25**
